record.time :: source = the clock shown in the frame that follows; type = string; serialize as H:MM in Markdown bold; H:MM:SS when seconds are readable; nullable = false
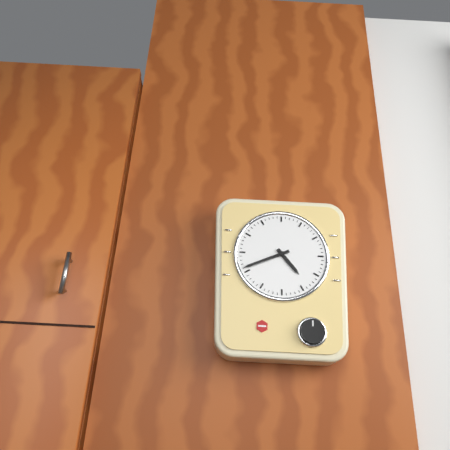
**4:41**
